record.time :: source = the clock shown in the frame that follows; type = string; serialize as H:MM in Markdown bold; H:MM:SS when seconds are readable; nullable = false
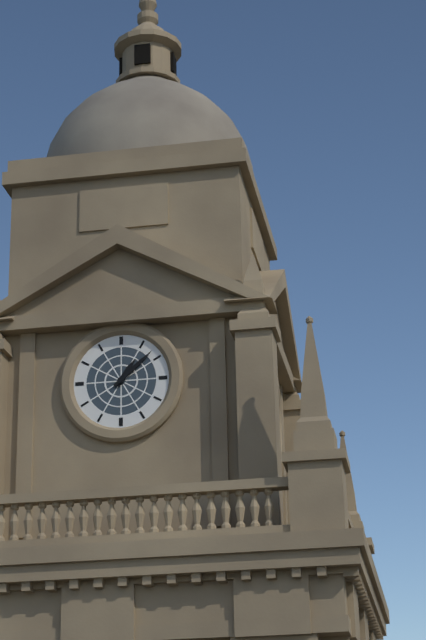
**1:08**
